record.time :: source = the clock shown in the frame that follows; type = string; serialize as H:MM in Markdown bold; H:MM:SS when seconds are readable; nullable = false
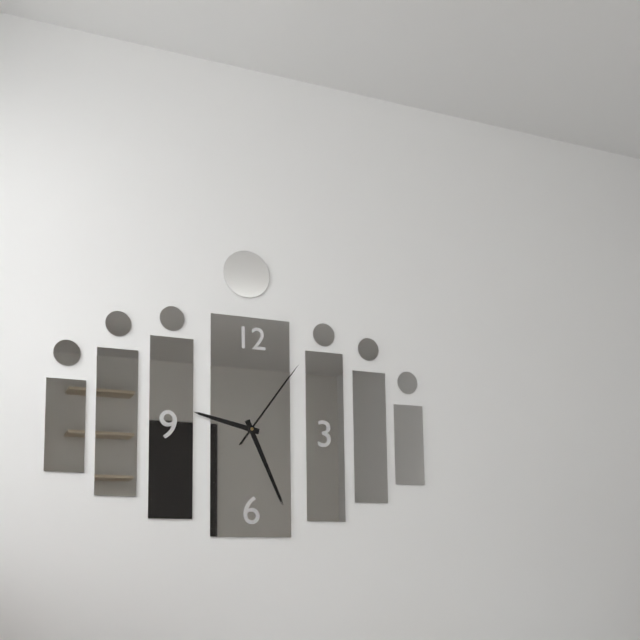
**9:26:06**
